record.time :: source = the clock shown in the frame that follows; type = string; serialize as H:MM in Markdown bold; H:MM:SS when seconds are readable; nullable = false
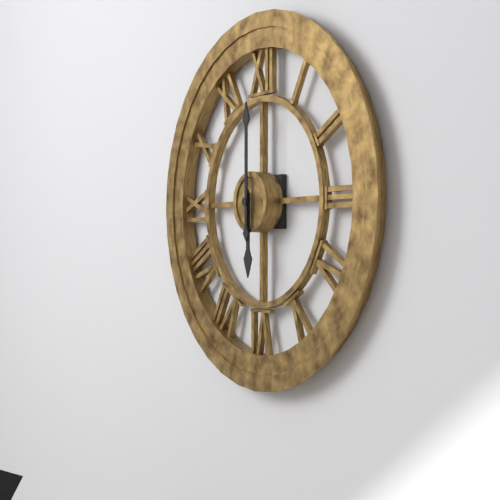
**6:00**
